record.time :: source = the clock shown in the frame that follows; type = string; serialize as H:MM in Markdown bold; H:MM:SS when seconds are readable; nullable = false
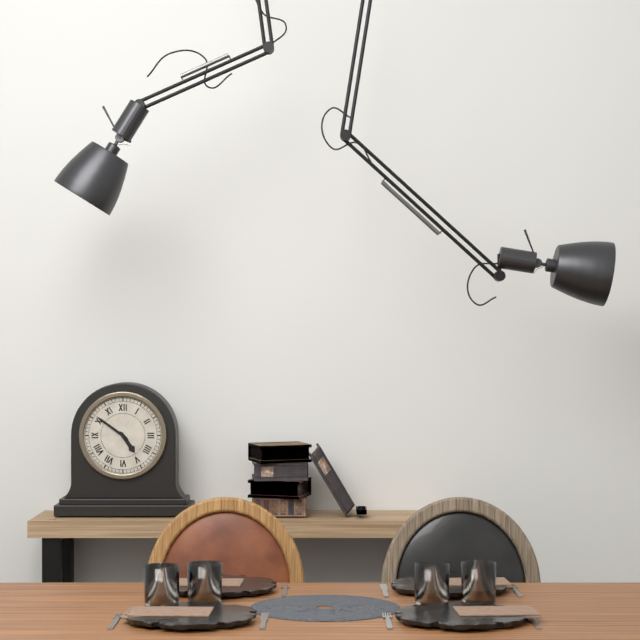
**4:51**
